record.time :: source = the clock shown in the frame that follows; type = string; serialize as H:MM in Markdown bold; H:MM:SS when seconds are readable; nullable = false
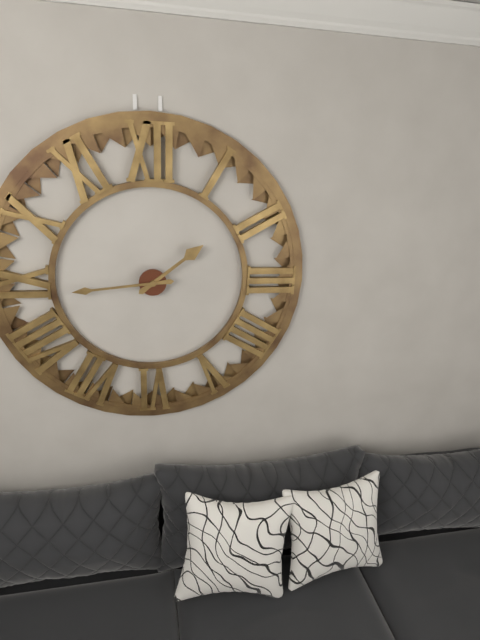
**1:44**
